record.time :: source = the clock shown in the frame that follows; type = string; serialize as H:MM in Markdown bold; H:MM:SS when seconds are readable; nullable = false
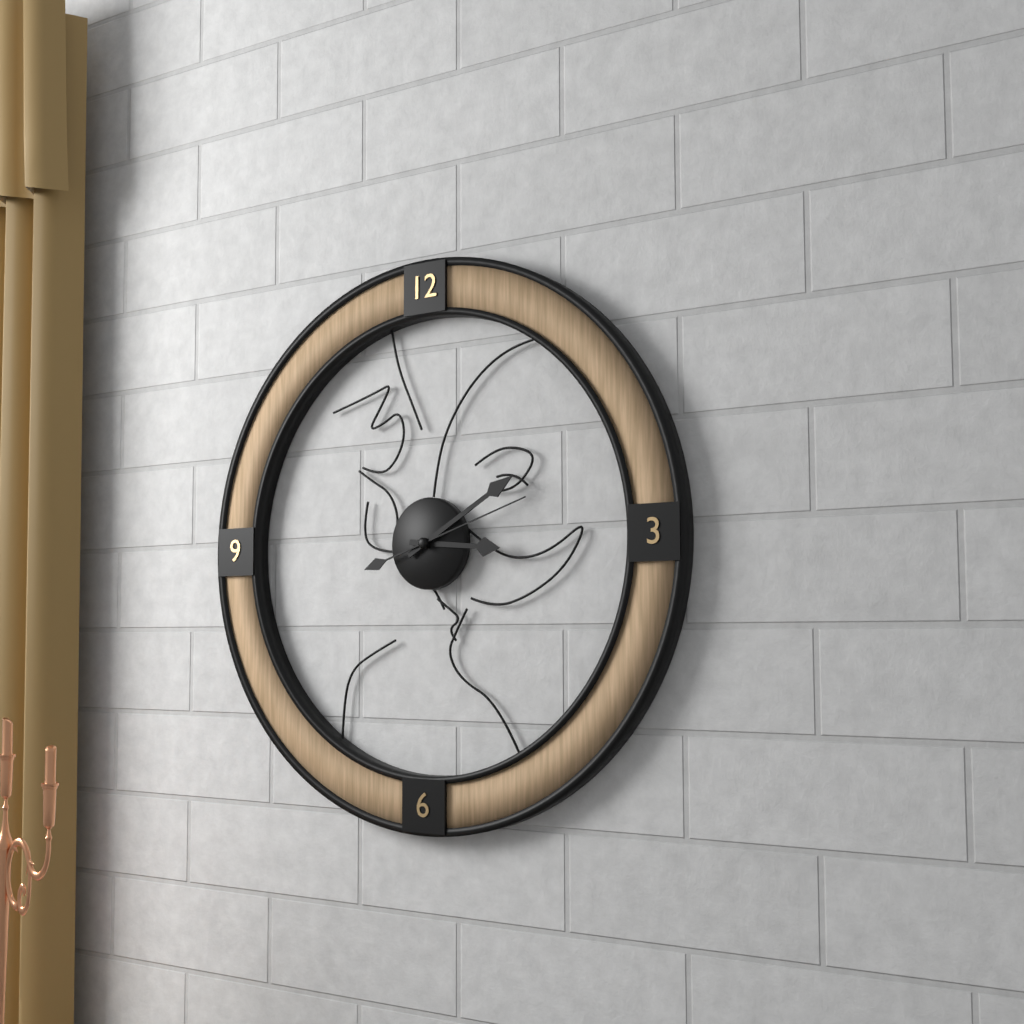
**3:10:12**
